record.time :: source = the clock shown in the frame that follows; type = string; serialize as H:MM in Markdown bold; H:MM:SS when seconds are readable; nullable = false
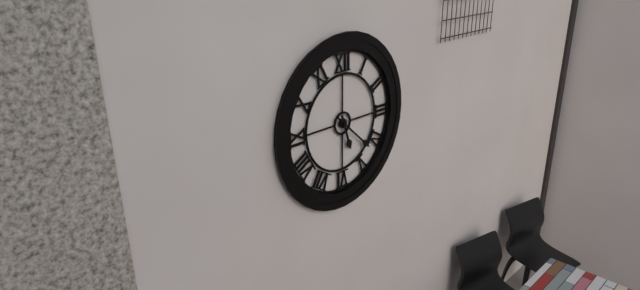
**5:22**
